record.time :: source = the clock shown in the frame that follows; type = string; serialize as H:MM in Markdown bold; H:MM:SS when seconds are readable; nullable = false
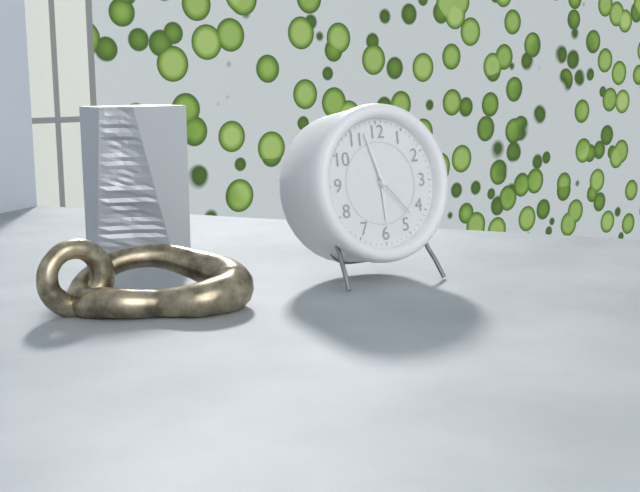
**5:57:23**
